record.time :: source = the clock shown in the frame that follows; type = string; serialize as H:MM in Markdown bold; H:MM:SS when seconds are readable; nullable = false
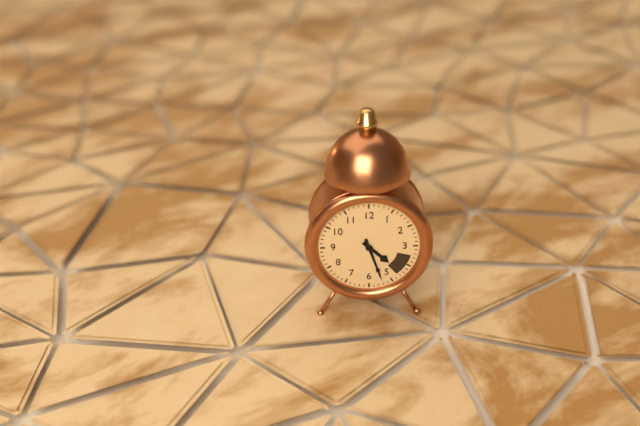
**4:27**
